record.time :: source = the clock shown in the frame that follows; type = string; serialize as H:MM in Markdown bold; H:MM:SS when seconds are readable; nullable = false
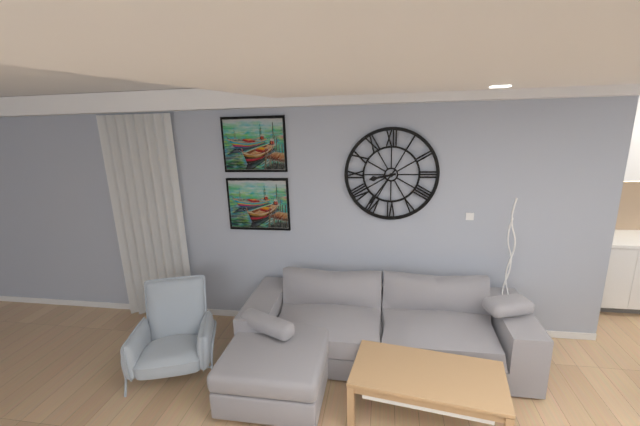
**8:36**
